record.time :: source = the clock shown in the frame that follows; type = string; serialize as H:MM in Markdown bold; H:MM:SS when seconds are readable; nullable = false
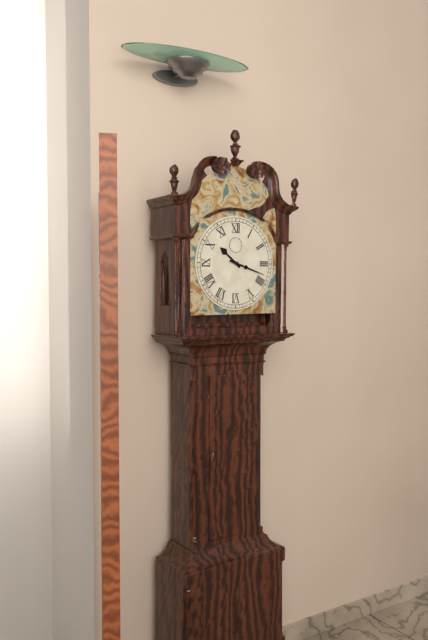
**10:18**
